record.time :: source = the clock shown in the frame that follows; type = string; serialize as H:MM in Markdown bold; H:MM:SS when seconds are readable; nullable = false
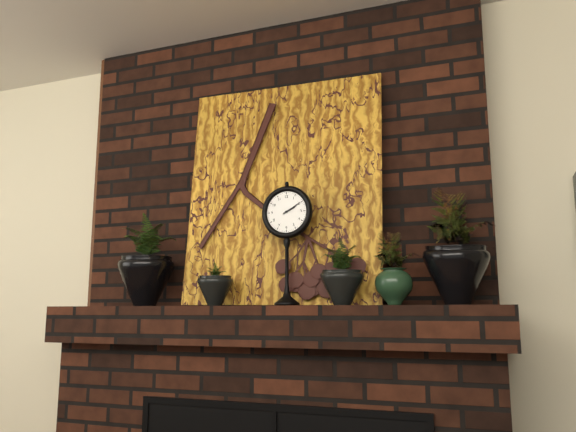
**2:10**
